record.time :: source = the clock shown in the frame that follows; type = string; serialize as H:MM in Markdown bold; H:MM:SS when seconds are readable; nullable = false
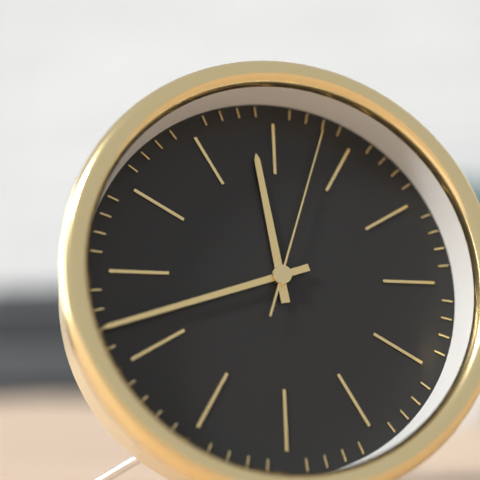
**11:42:03**
